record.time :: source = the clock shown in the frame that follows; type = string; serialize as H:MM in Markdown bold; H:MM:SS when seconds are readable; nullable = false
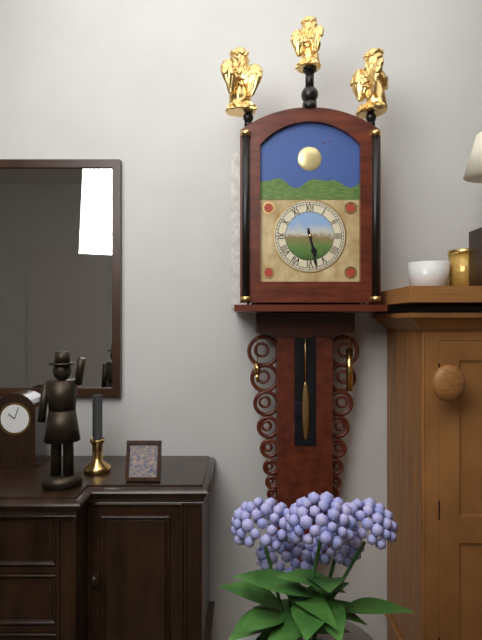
**5:28**
